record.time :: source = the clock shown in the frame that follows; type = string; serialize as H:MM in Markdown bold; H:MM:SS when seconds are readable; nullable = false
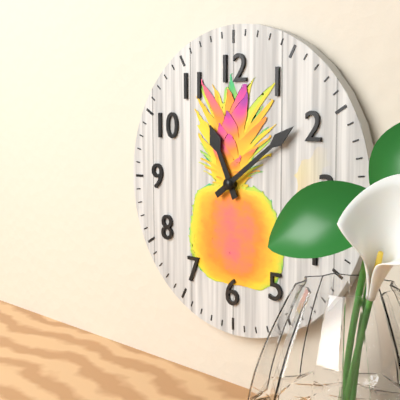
**11:09**
